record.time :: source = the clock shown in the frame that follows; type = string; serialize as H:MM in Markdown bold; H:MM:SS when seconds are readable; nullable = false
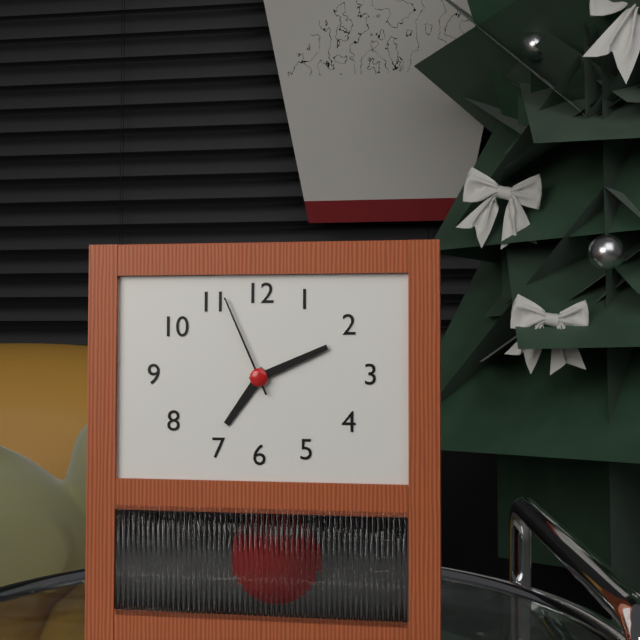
**7:11:56**
